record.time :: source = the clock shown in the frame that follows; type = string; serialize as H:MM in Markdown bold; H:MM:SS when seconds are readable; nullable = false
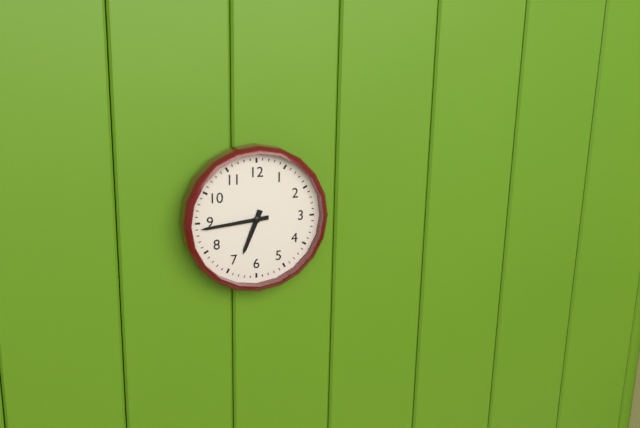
**6:44**
